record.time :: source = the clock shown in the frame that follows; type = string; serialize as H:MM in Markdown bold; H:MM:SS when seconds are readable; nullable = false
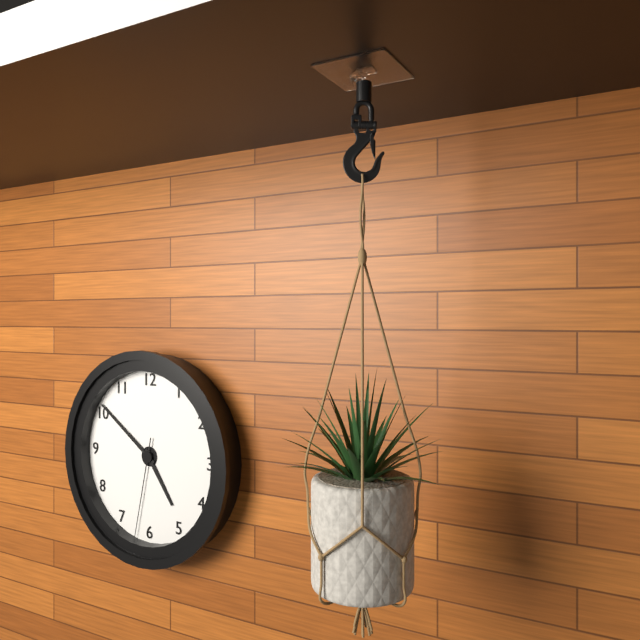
**4:51:32**
